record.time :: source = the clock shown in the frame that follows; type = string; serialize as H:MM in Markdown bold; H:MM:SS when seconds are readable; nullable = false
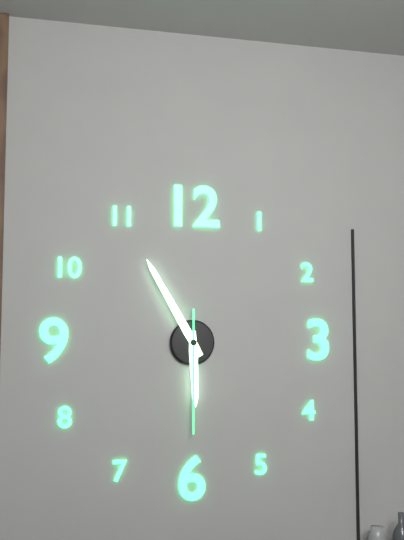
**5:55:30**
